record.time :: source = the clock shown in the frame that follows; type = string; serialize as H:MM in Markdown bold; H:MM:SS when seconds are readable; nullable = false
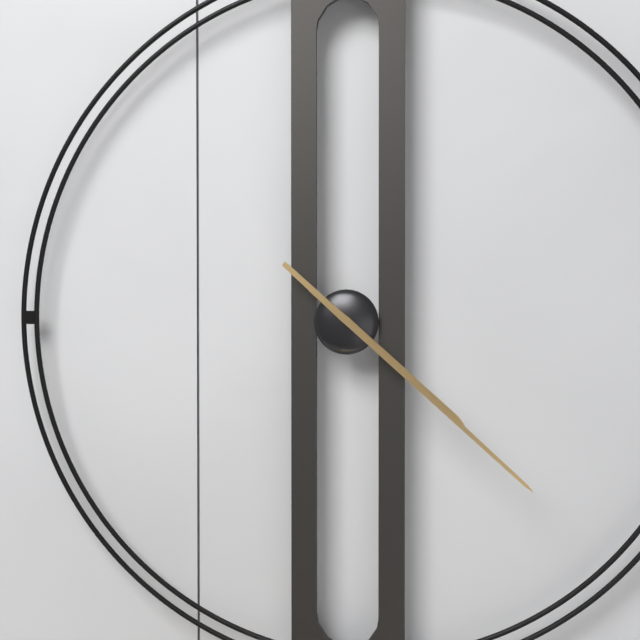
**4:22**
